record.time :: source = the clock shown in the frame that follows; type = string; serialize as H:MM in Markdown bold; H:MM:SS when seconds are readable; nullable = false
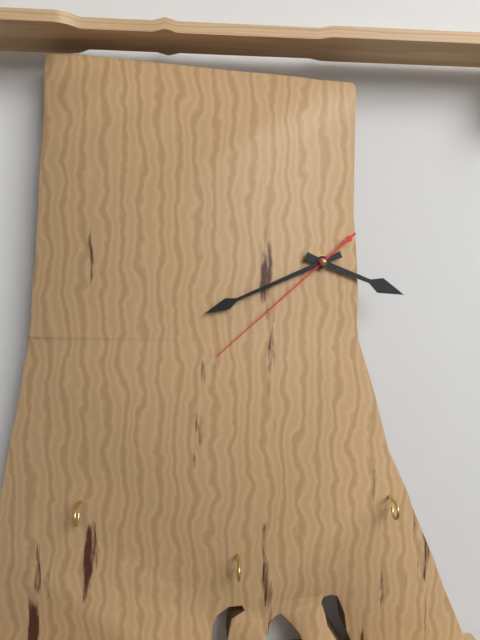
**3:41:38**
